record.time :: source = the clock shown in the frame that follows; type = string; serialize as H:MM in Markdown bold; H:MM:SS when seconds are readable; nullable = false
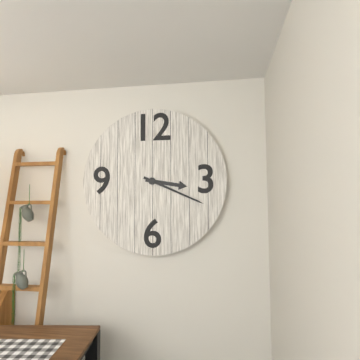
**3:19**
